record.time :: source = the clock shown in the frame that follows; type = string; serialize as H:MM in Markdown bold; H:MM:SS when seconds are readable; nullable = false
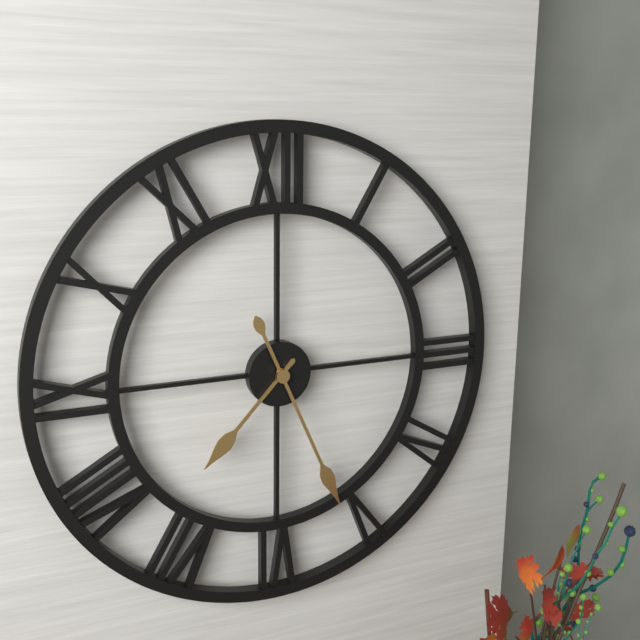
**7:26**
